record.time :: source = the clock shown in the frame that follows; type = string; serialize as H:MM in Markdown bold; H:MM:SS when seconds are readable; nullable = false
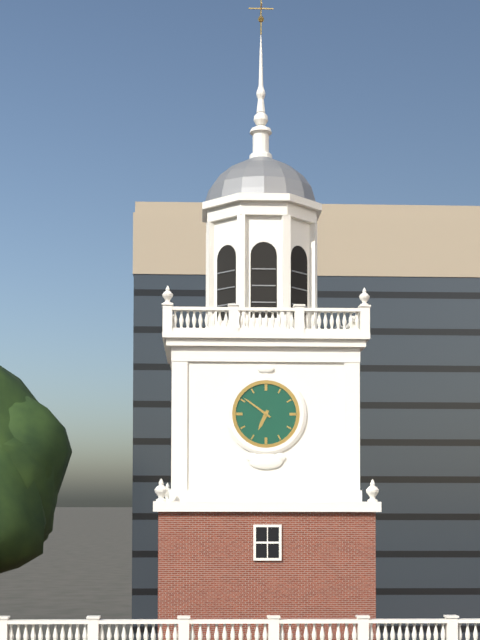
**6:51**
